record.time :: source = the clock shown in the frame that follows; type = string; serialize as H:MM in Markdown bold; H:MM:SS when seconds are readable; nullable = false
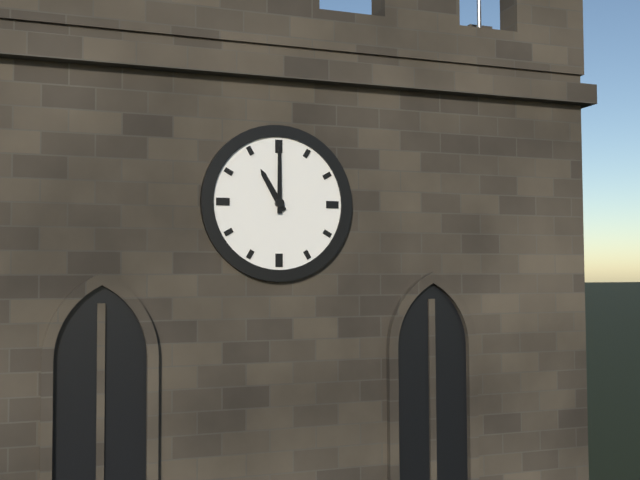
**11:00**
